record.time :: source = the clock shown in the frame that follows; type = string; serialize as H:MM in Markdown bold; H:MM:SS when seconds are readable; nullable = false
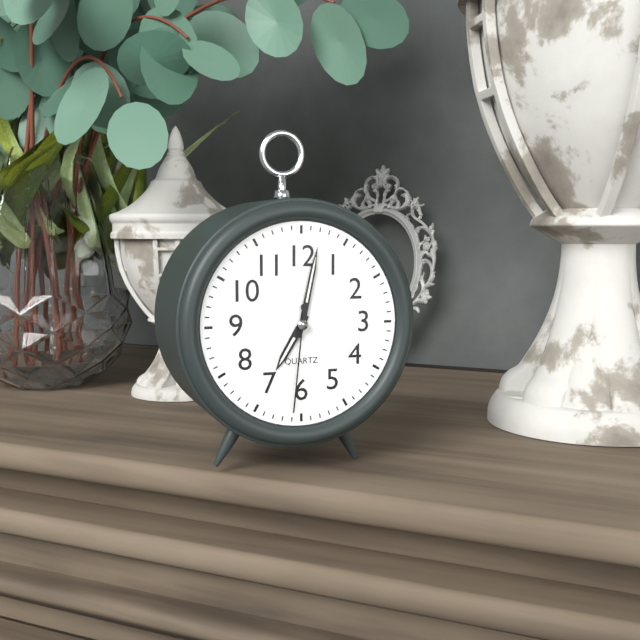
**7:02:31**
